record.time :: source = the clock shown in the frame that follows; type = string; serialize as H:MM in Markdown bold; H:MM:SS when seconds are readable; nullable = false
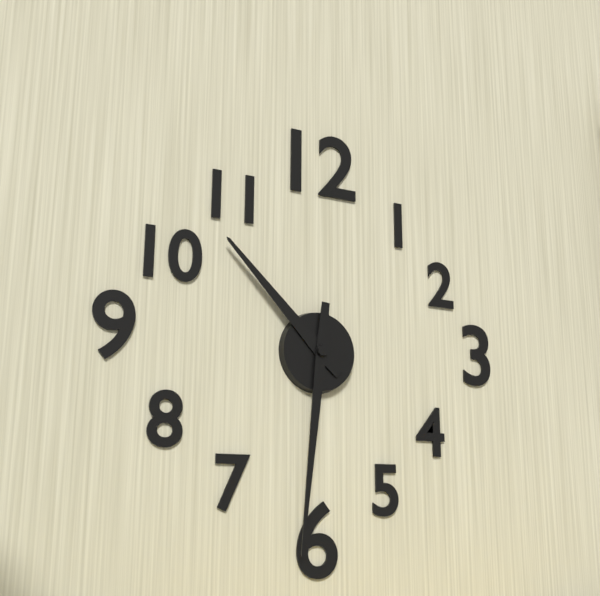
**10:31**
